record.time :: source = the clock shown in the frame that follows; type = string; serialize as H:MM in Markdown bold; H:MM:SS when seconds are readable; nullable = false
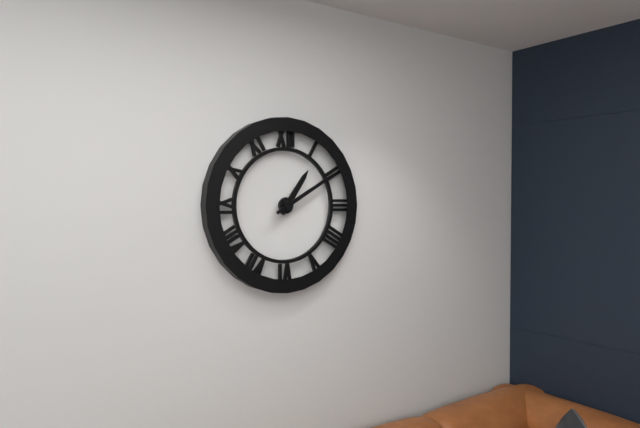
**1:10**
